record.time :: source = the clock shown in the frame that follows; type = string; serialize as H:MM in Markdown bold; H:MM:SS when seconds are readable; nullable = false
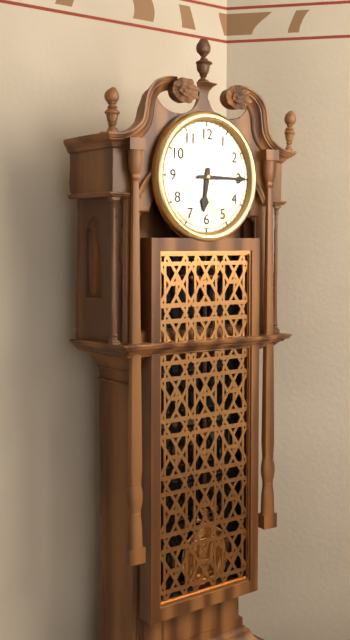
**6:15**
